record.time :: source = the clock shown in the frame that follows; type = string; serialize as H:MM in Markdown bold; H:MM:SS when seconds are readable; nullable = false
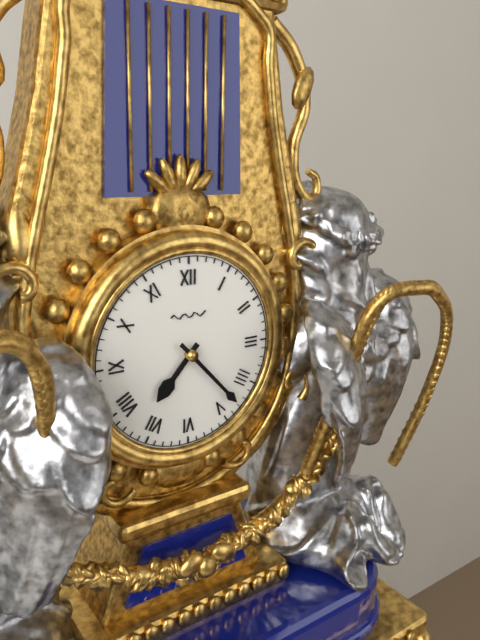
**7:23**
